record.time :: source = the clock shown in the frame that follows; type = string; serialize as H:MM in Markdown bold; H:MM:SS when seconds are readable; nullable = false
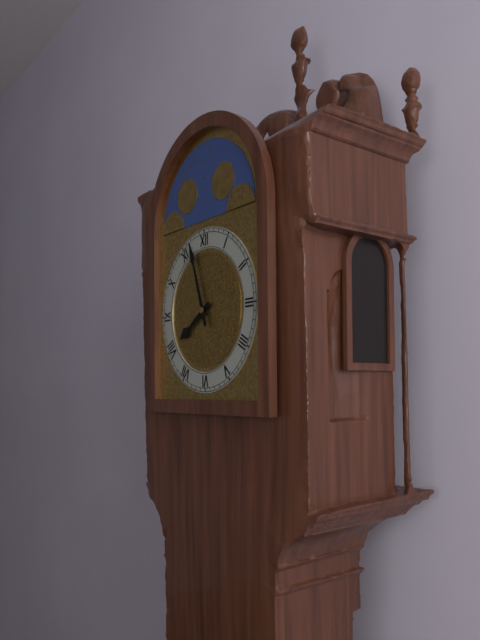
**7:57**
